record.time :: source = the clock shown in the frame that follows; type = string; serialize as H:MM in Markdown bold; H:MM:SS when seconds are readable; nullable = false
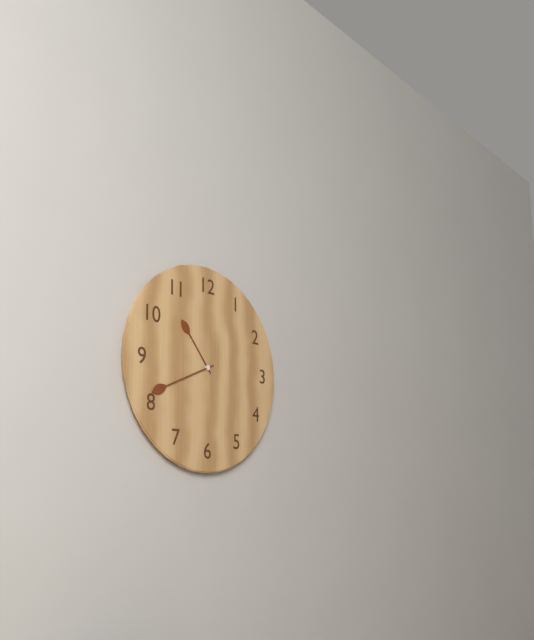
**10:41**
